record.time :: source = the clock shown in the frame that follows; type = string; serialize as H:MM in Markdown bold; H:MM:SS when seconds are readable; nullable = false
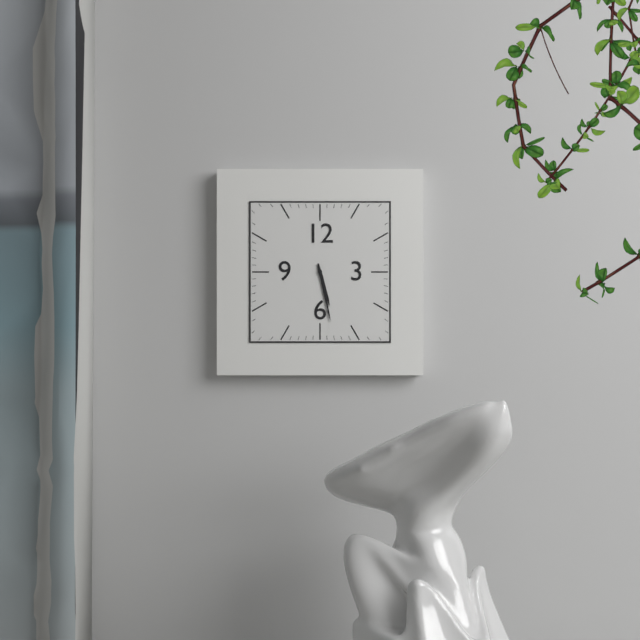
**5:28**
